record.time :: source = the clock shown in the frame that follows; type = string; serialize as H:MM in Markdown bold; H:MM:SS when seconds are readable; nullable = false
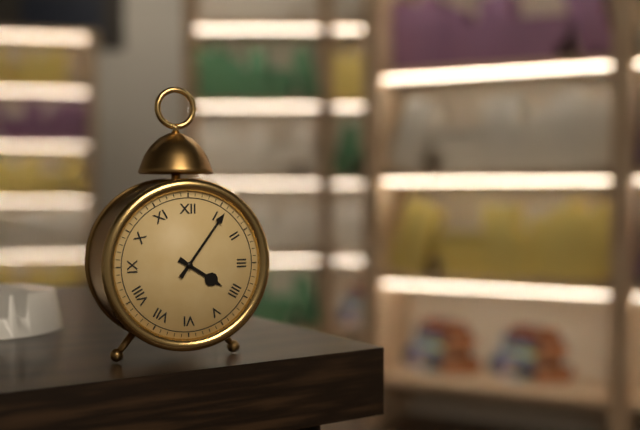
**4:06**
